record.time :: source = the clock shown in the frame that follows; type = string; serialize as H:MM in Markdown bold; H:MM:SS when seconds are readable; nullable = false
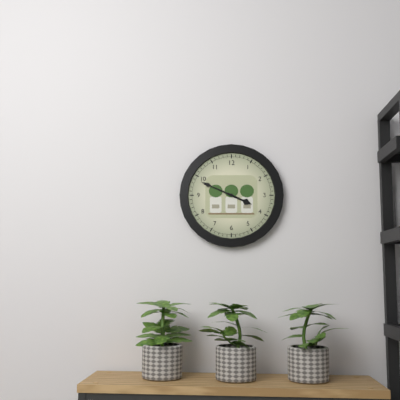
**3:49**
